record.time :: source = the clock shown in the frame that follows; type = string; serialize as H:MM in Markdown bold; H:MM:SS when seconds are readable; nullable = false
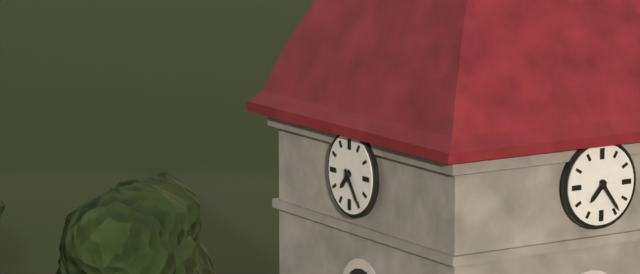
**7:24**
